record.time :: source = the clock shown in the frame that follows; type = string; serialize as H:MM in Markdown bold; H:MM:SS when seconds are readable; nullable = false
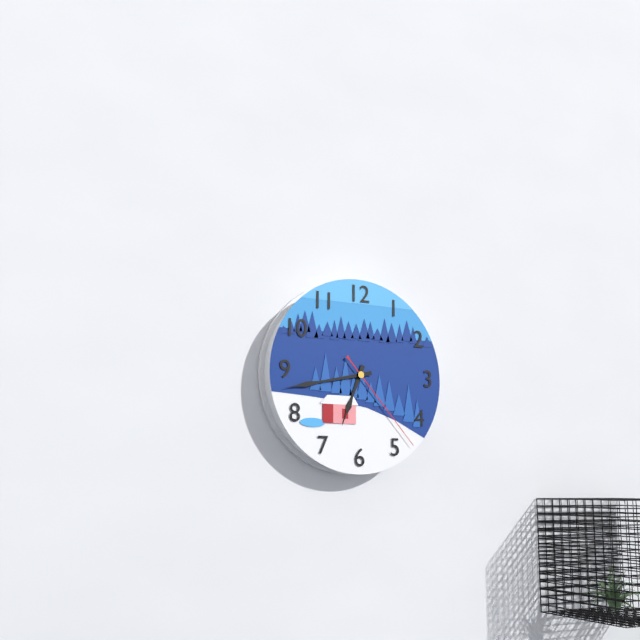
**6:43:23**
